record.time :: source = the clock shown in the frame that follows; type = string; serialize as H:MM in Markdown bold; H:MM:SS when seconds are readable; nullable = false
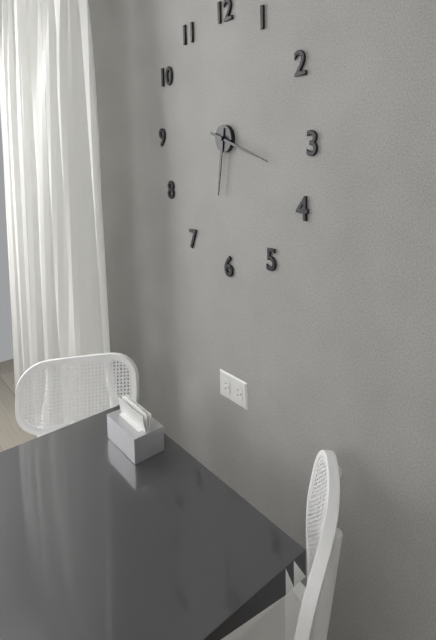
**6:18**
